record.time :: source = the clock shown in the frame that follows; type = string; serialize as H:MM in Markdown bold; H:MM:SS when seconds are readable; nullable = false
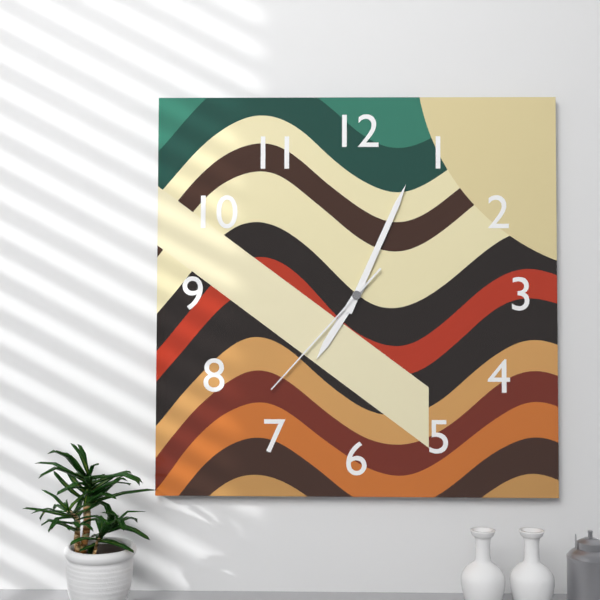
**7:04:37**
